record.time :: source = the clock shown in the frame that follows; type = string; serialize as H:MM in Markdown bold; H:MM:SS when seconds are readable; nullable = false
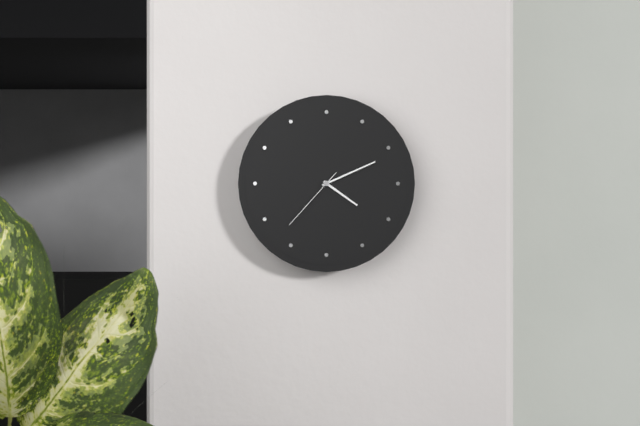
**4:11:37**
